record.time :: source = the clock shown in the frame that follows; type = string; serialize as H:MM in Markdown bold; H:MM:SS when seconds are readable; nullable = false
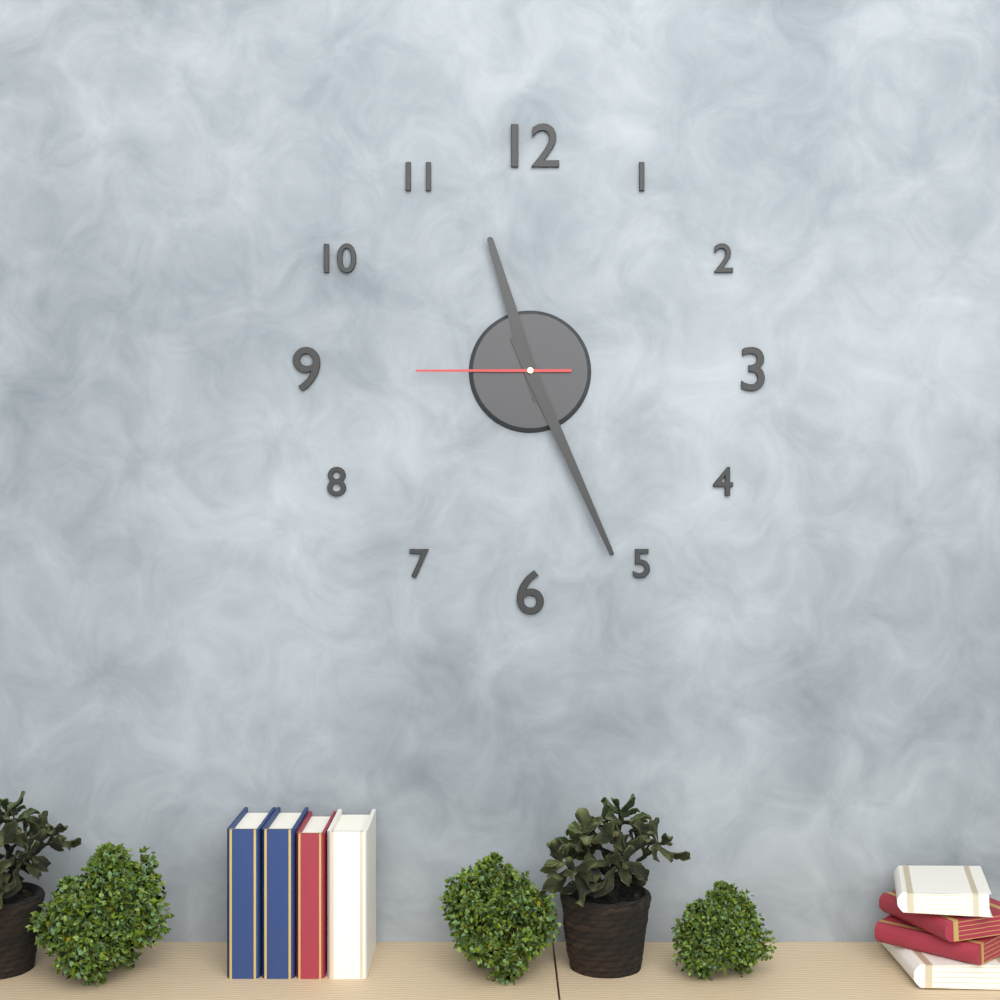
**11:26:45**
